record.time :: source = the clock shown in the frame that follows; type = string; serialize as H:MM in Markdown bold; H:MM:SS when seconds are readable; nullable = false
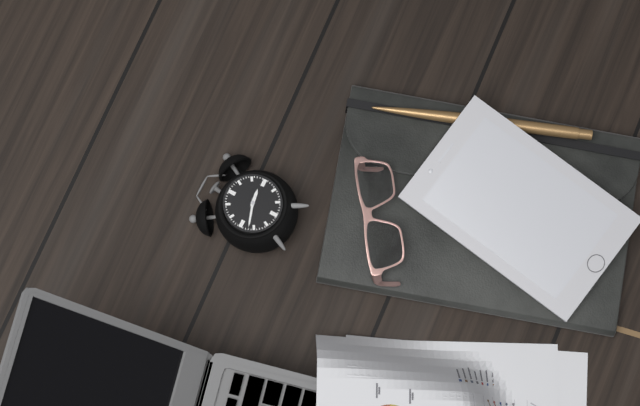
**2:42**
